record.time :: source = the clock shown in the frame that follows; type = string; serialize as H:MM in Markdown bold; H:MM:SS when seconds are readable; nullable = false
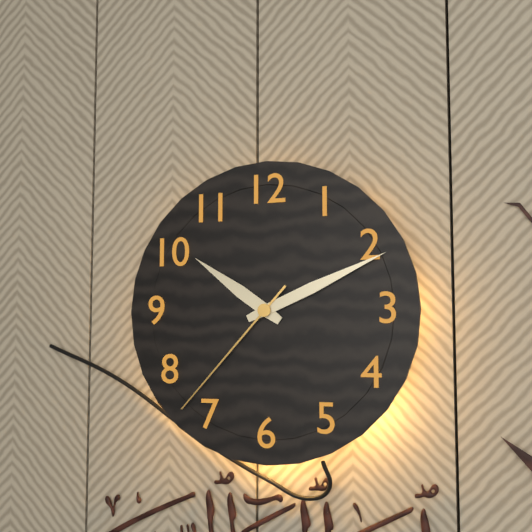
**10:11:37**
